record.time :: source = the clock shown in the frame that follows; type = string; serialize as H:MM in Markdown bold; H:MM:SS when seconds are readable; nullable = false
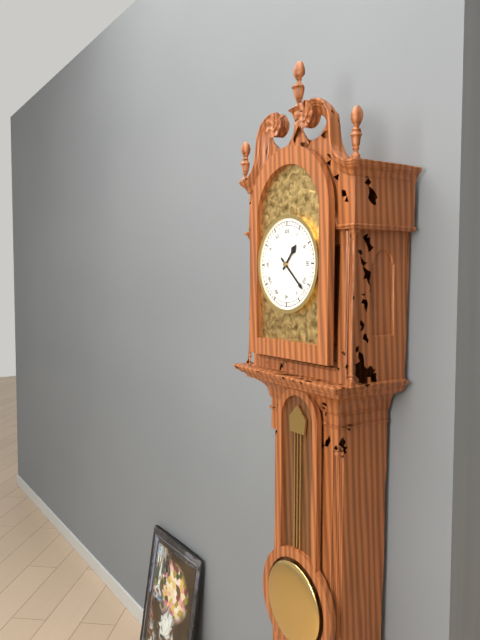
**1:22**
